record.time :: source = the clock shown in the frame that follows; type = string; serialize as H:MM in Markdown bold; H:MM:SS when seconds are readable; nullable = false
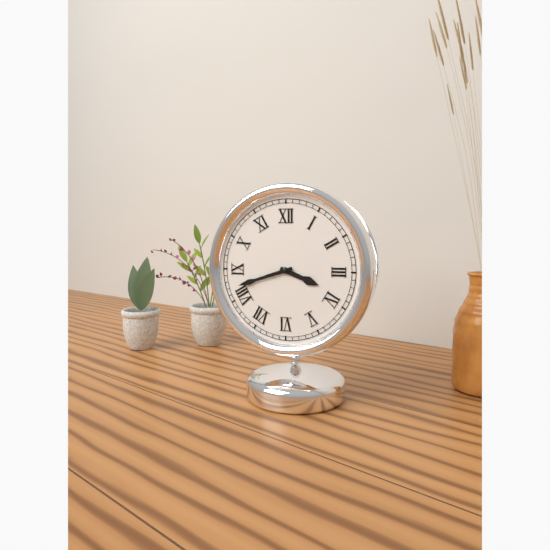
**3:42**
